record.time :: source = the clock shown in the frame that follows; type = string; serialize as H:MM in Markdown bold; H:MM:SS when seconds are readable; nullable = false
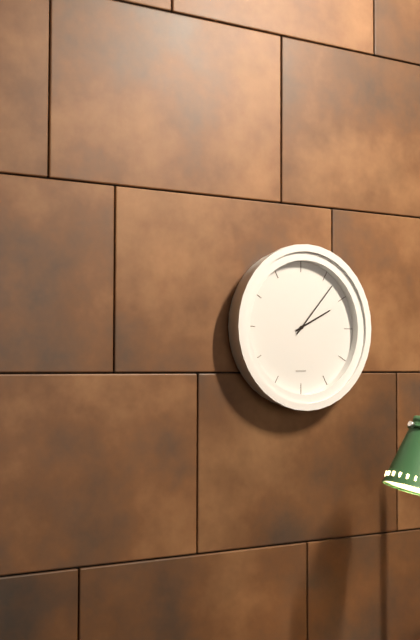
**2:07**
